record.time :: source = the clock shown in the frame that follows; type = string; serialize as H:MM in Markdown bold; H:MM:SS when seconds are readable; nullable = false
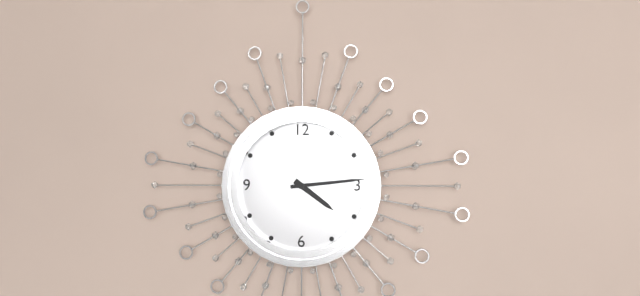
**4:14**
